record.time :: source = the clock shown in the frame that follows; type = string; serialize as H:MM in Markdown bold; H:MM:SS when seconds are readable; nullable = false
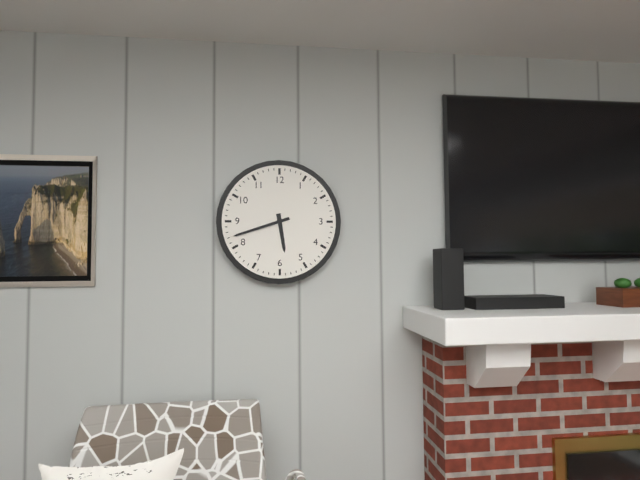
**5:42**
